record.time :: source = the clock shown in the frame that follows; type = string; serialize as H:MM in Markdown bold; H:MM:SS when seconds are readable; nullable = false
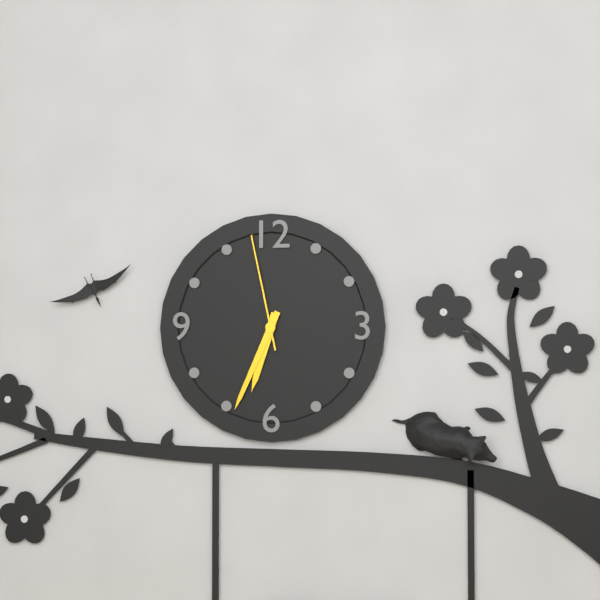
**6:34:58**
